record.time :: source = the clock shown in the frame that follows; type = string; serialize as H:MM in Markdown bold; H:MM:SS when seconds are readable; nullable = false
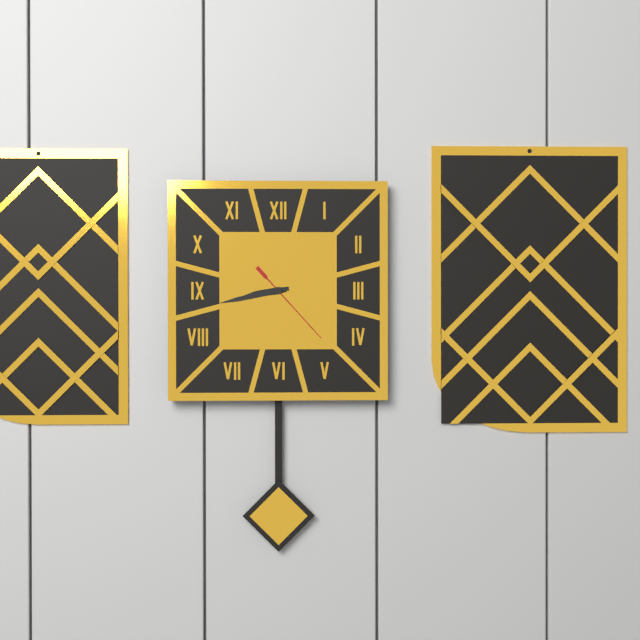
**8:43:23**
